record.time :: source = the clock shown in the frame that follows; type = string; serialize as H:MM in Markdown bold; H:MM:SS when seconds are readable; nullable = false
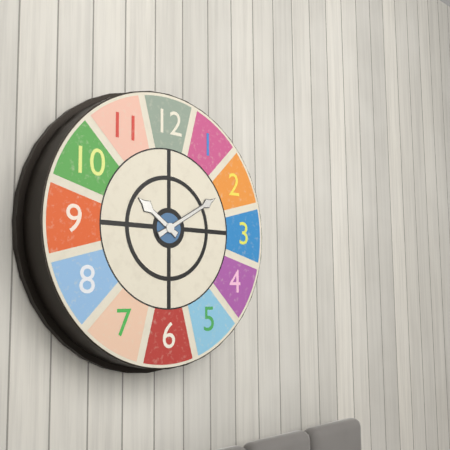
**10:10**
